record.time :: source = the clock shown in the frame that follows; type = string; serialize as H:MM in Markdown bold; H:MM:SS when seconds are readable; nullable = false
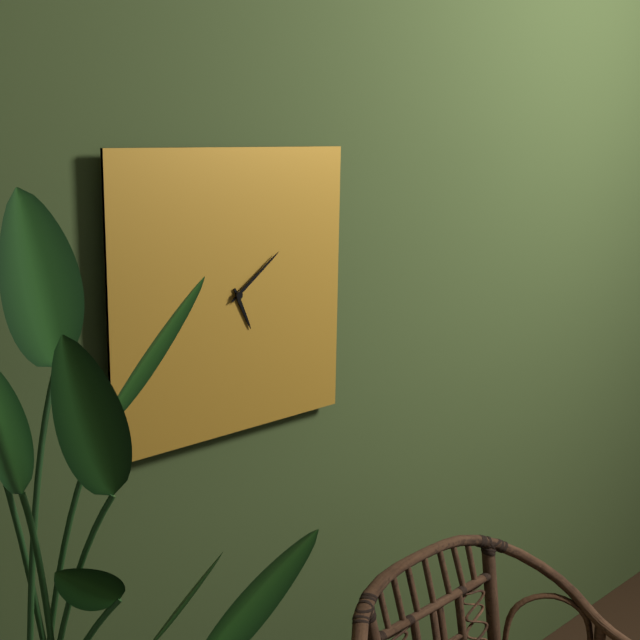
**5:09**
